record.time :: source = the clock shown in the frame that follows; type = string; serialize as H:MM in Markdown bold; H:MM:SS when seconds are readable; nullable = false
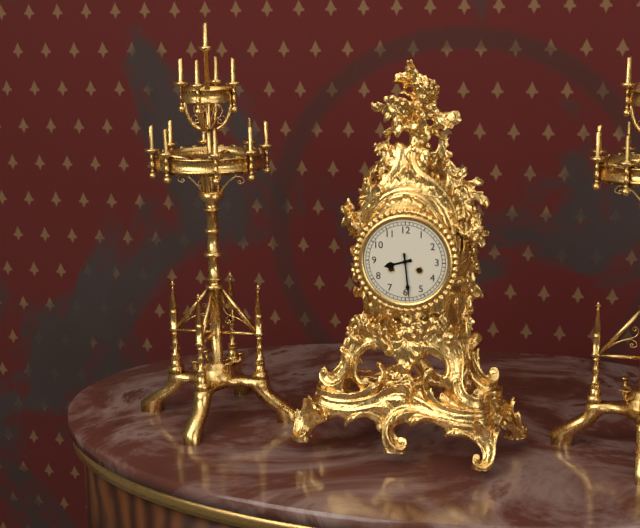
**8:29**
